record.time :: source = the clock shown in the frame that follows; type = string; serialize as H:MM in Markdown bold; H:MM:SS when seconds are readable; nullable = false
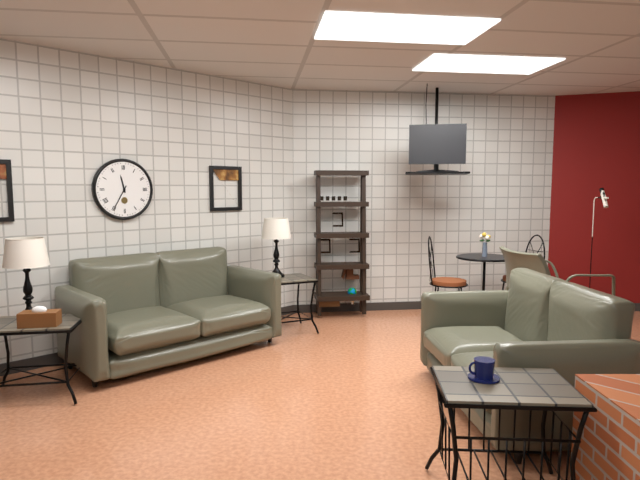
**11:35**
